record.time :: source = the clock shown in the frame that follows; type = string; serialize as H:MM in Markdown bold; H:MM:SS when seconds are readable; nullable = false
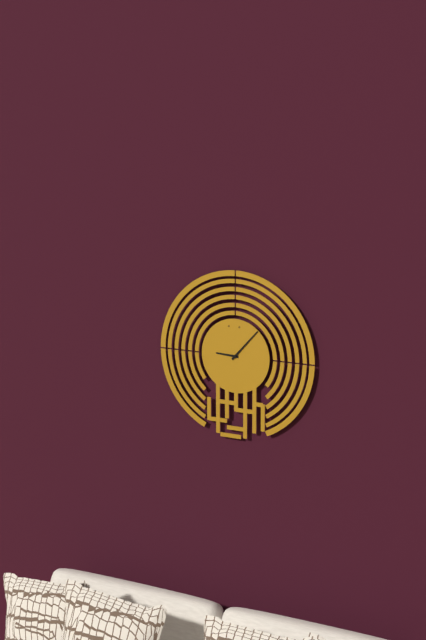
**9:07**
